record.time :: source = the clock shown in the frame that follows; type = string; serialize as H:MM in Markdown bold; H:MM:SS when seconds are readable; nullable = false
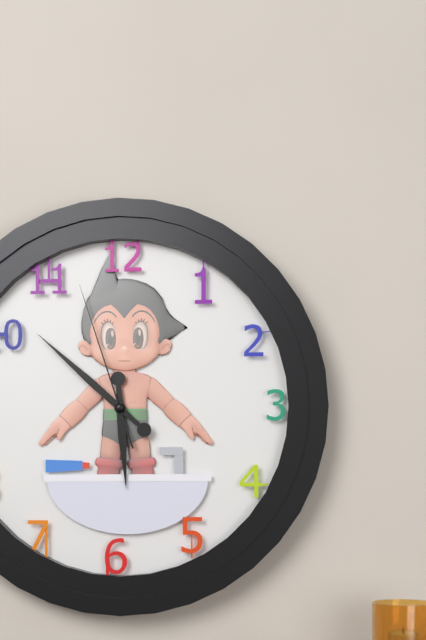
**5:52:57**
